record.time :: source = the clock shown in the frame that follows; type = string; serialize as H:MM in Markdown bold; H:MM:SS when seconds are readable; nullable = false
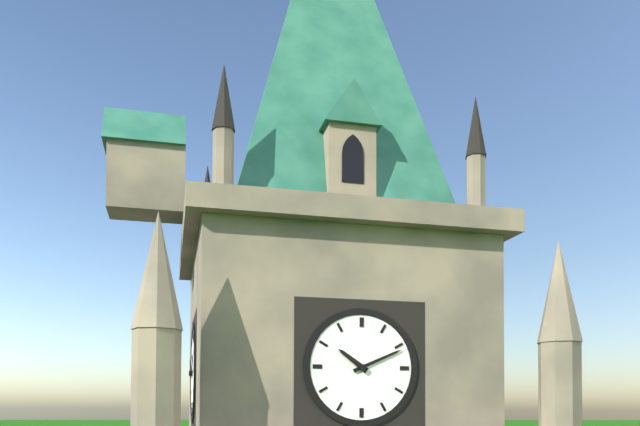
**10:11**
